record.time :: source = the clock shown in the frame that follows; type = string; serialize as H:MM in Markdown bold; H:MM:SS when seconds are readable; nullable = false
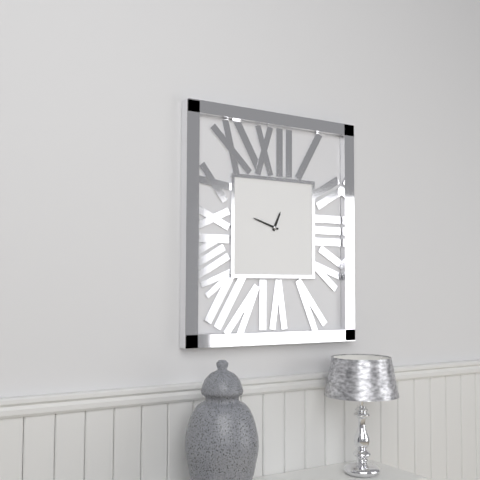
**12:48**
